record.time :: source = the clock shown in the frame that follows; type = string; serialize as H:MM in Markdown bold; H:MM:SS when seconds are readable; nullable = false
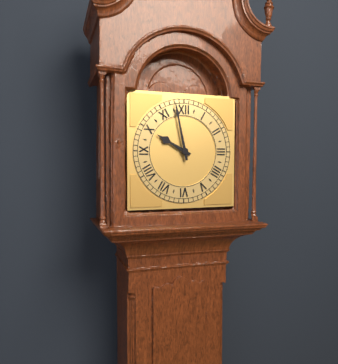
**9:58**
